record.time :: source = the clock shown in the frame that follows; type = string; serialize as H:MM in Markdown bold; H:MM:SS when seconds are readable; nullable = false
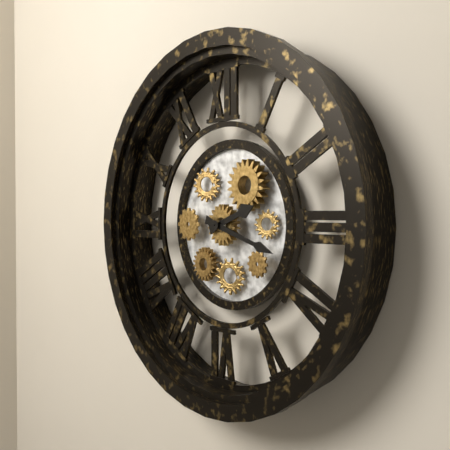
**2:18**
